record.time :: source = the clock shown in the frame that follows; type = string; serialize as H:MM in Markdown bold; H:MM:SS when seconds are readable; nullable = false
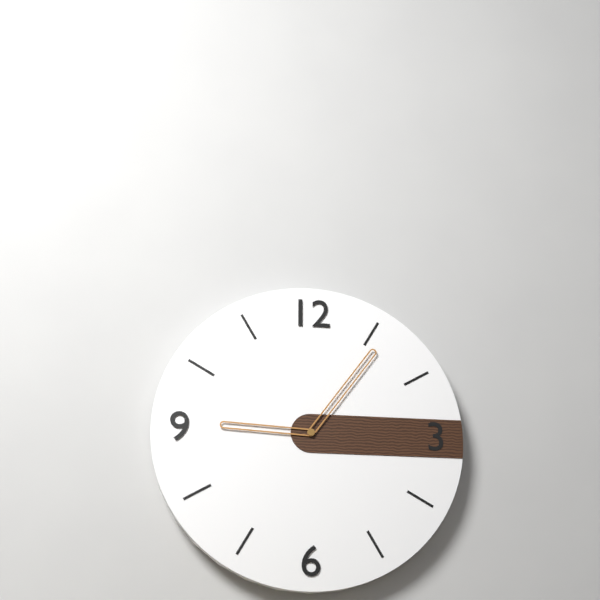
**9:06**
